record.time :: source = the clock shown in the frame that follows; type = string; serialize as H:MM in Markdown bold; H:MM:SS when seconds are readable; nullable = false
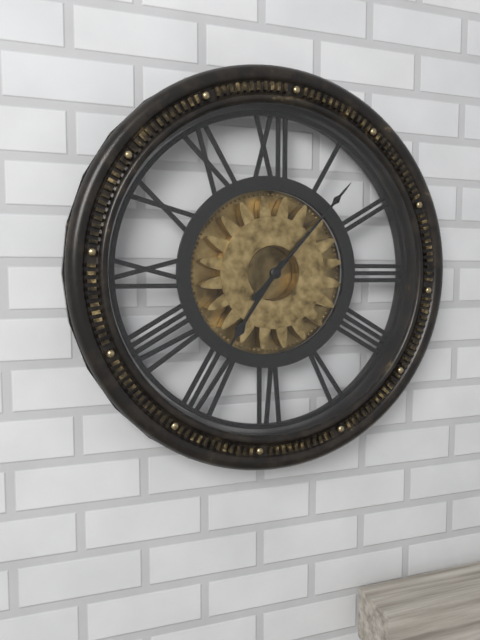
**7:07**
